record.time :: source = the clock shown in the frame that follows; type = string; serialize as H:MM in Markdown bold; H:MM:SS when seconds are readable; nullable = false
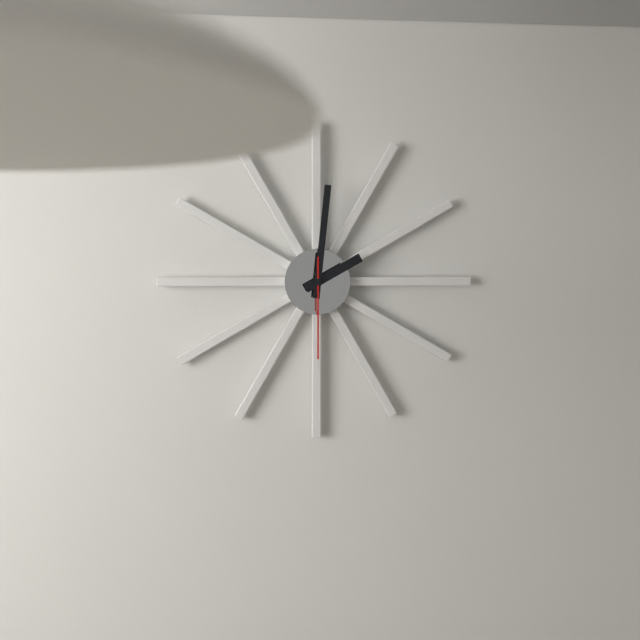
**2:01:30**
